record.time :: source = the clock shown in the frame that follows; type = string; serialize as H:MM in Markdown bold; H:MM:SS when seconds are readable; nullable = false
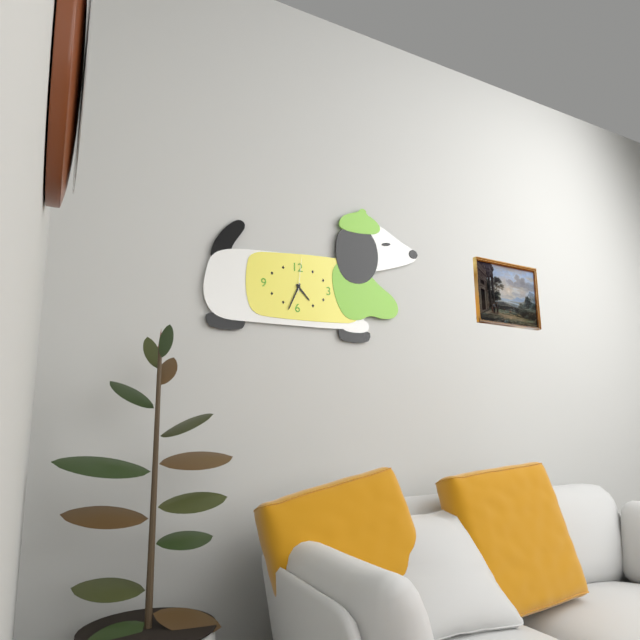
**4:34**
